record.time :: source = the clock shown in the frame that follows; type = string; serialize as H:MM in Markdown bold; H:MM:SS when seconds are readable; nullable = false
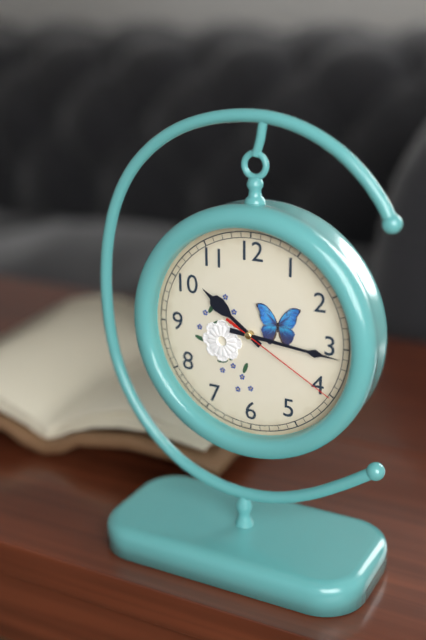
**10:16:20**
